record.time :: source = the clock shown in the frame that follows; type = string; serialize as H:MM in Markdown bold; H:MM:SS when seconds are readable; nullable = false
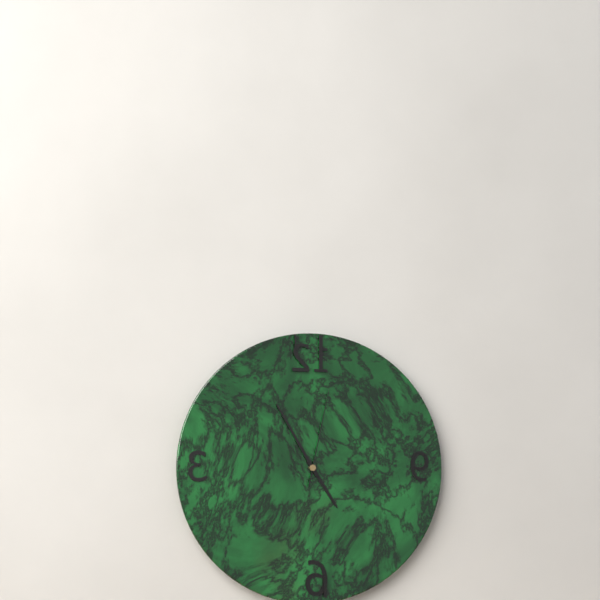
**4:55:02**
